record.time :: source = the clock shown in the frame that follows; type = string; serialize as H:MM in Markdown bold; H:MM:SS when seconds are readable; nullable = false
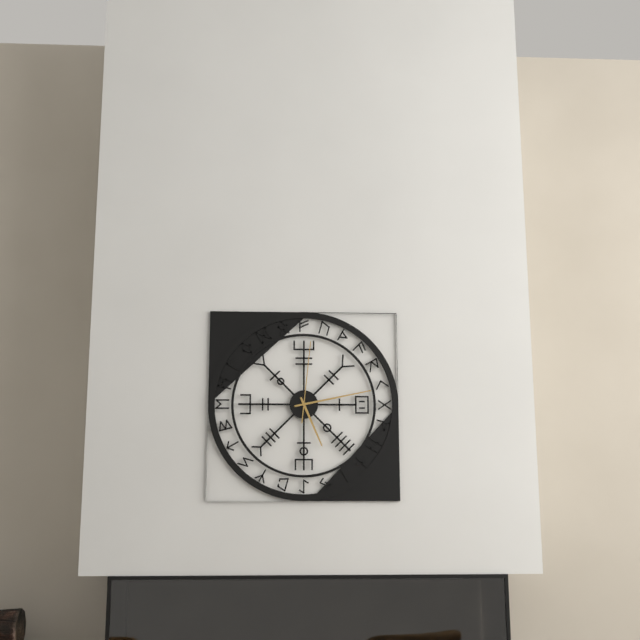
**5:13:01**
